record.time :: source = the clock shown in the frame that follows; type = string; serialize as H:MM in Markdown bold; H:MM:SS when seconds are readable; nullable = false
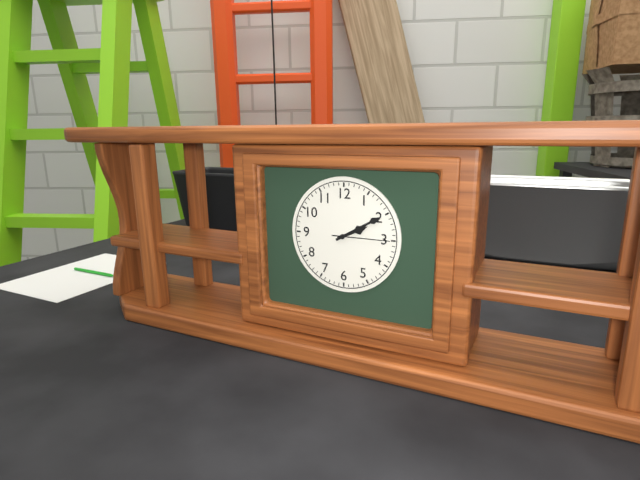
**2:10:15**
